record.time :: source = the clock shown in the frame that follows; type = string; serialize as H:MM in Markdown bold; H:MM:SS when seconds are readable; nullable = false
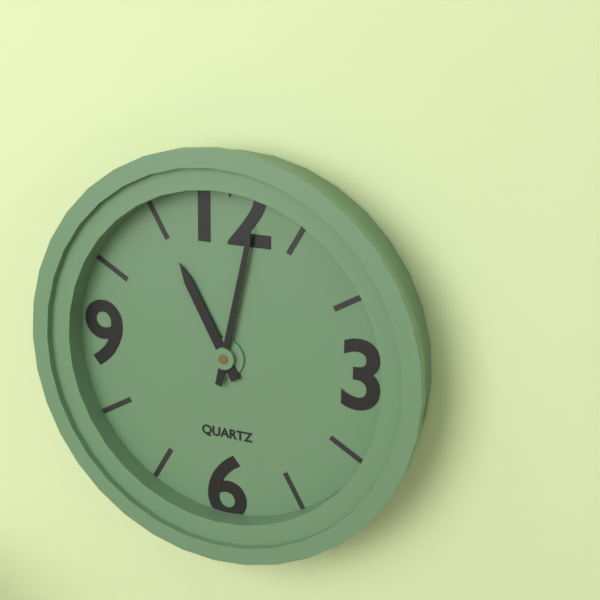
**11:02**
